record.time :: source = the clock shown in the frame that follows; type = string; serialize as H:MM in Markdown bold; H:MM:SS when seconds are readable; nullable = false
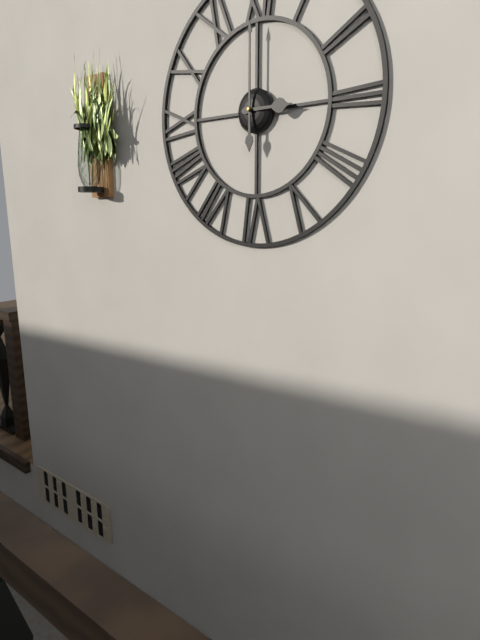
**3:00**
